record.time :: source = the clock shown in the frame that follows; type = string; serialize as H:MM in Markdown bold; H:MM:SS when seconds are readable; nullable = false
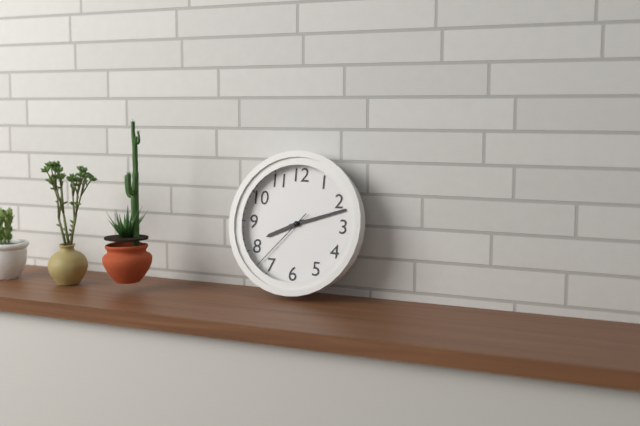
**8:12:37**
